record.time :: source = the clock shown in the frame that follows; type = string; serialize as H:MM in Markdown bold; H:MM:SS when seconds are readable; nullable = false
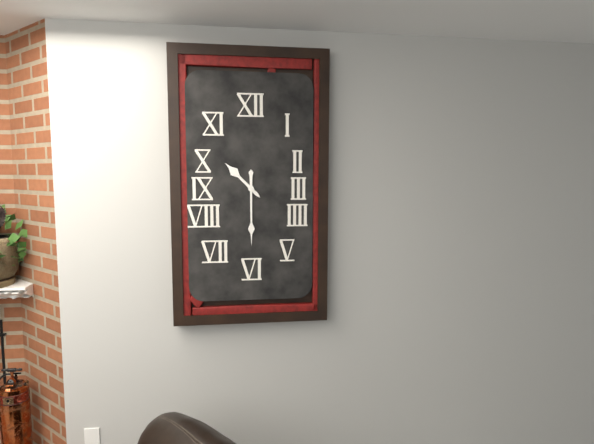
**10:30**
